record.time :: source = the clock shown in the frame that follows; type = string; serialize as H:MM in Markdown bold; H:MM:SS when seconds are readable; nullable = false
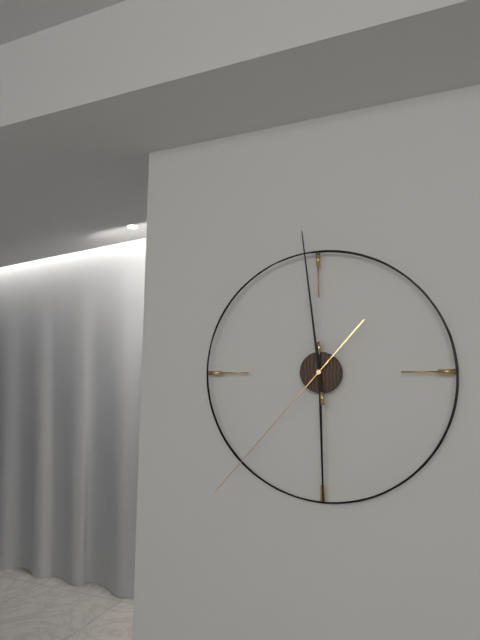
**5:59:37**
